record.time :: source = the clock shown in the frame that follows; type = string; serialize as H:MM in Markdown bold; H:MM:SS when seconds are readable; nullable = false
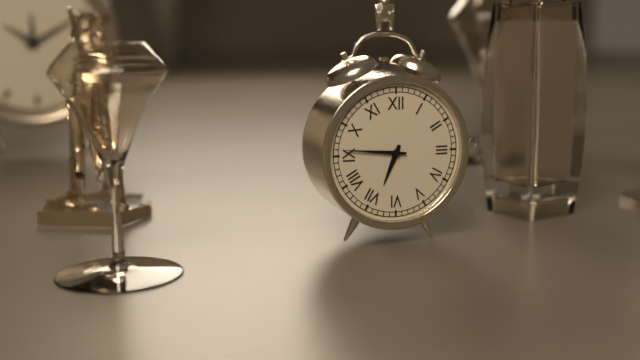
**6:46**
